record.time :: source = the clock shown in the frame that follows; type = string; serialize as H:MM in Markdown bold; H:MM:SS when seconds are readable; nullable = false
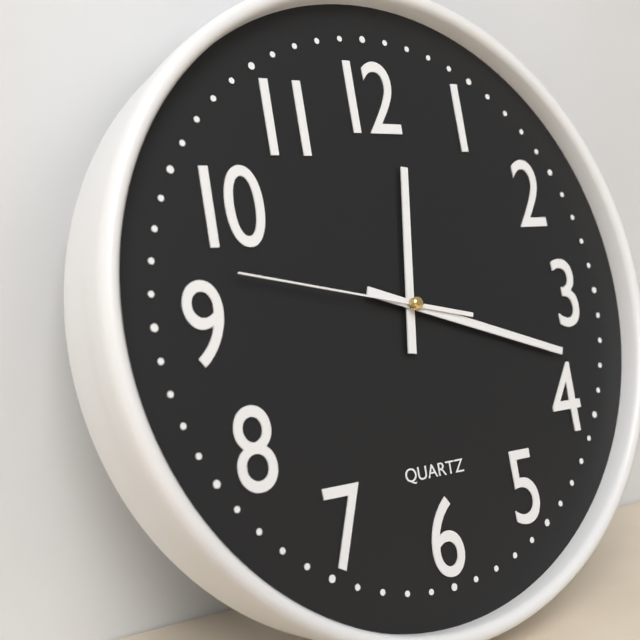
**12:18:47**
